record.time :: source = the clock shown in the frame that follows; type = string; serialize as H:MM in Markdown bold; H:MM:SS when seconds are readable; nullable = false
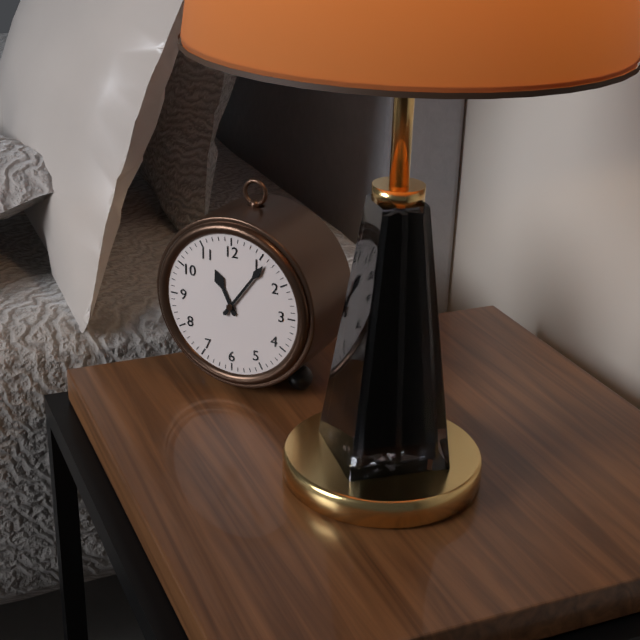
**11:06**
